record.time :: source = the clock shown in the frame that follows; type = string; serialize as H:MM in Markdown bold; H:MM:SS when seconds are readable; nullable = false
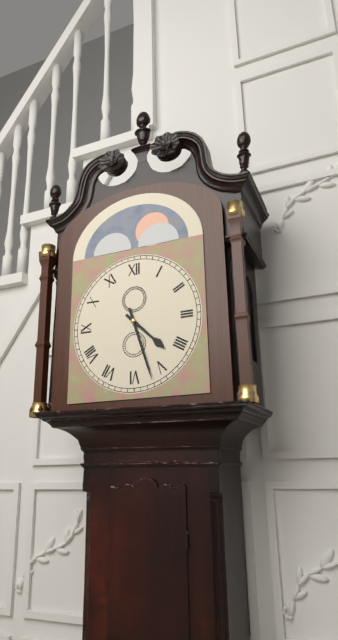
**4:27**
